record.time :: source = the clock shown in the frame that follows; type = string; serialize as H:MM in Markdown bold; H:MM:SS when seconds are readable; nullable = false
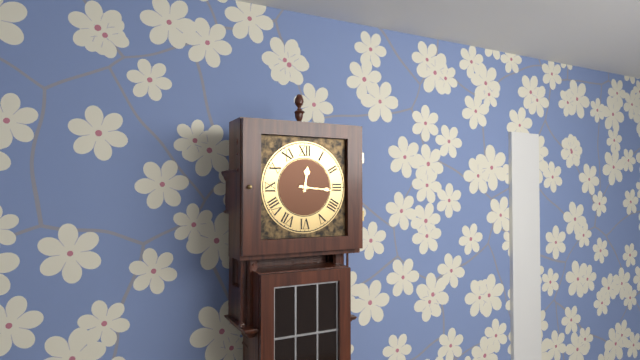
**12:16**
